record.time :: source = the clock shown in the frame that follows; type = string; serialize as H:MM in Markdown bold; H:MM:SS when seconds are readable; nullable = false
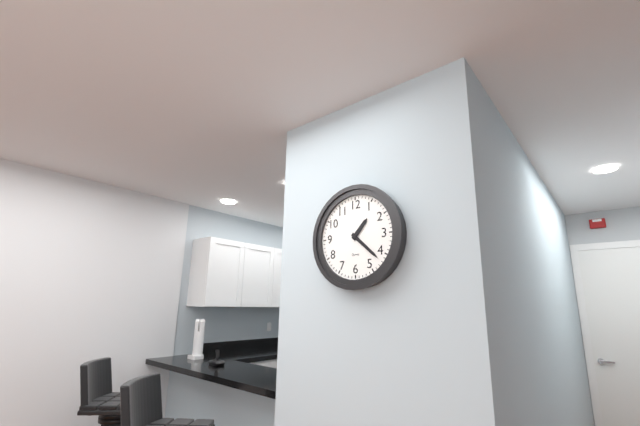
**1:22**
